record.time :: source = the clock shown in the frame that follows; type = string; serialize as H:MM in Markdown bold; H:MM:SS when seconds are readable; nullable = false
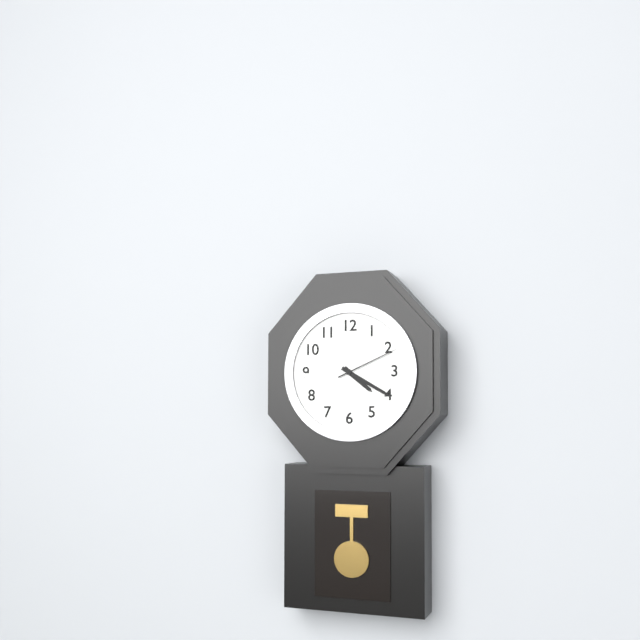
**4:20:11**
